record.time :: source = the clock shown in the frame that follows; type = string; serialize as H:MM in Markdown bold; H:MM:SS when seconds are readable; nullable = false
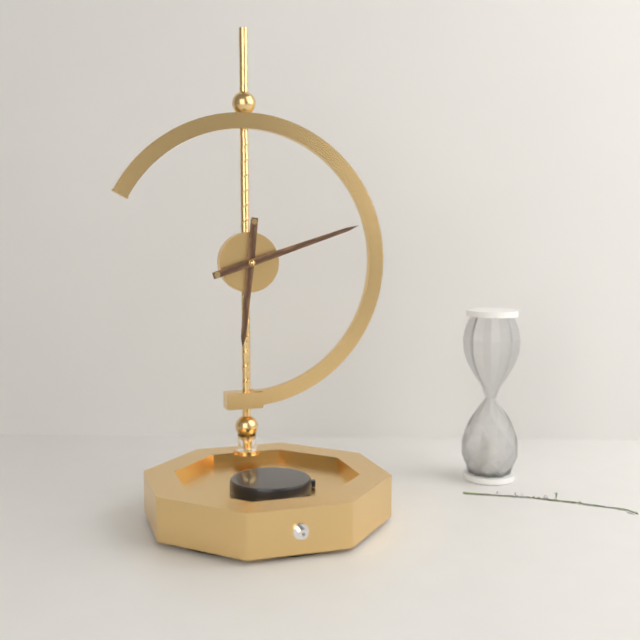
**6:12**
